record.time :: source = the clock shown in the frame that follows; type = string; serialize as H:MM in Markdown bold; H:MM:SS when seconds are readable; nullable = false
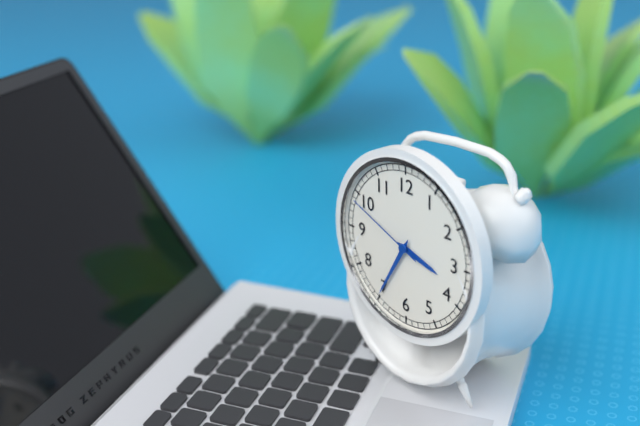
**3:35:49**
